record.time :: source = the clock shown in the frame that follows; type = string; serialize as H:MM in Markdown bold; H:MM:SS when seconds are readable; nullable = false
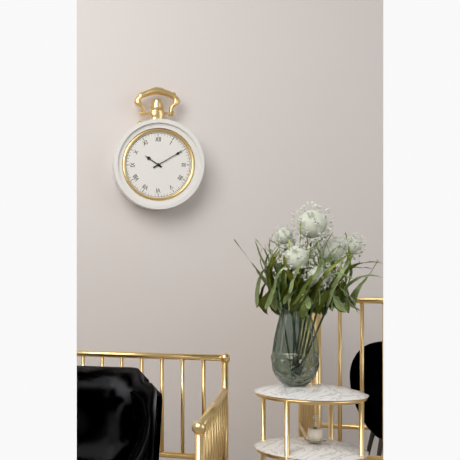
**10:10**
